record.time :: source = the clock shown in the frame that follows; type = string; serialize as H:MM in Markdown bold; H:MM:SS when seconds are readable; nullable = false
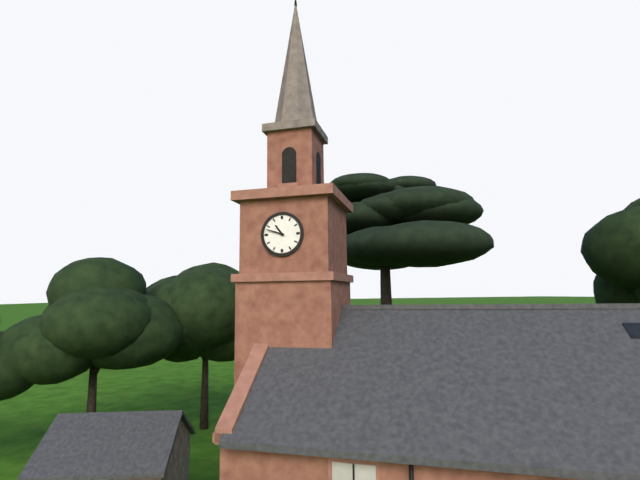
**10:48**
